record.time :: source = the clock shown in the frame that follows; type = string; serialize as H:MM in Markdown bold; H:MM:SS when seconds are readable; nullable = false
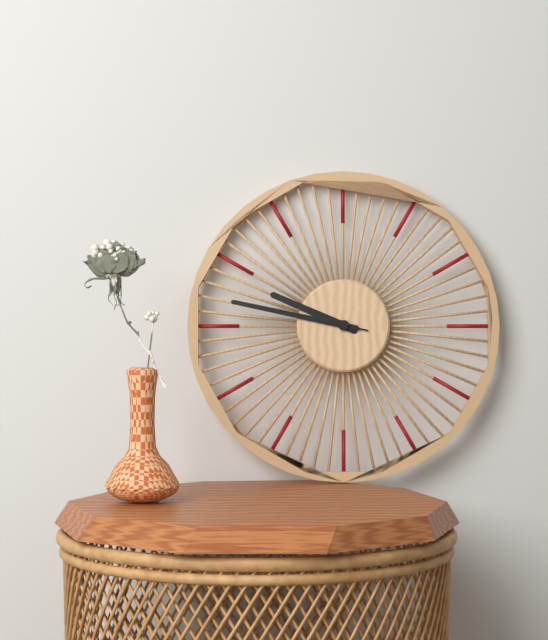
**9:47:47**
